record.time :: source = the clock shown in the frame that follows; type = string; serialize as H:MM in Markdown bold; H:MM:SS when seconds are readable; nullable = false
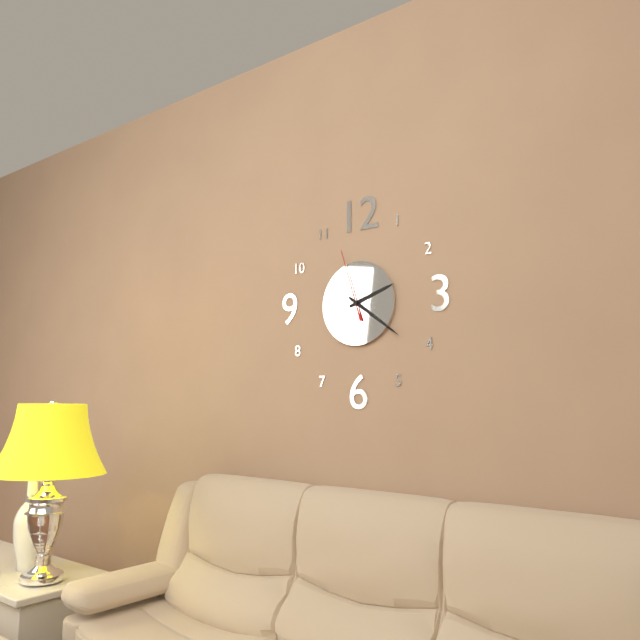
**2:21:57**
